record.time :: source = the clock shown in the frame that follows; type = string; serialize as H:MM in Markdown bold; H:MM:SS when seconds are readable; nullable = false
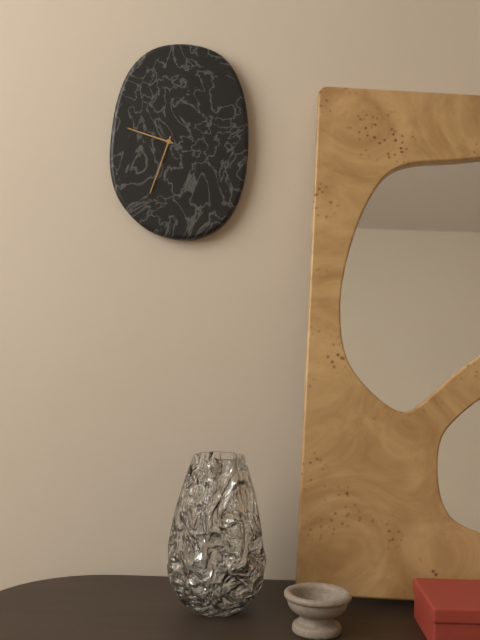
**9:33**
